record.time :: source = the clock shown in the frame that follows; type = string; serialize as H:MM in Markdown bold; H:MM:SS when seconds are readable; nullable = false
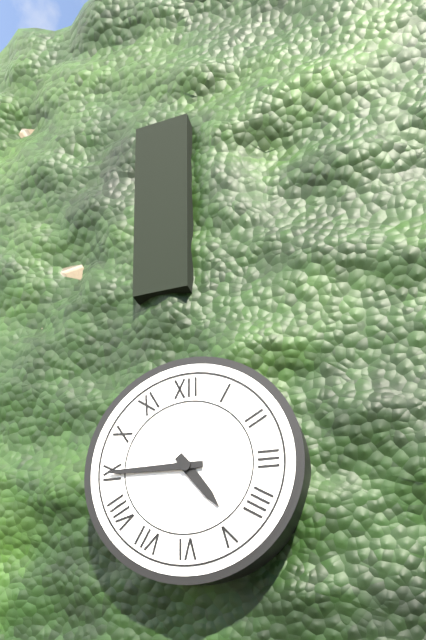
**4:45**
